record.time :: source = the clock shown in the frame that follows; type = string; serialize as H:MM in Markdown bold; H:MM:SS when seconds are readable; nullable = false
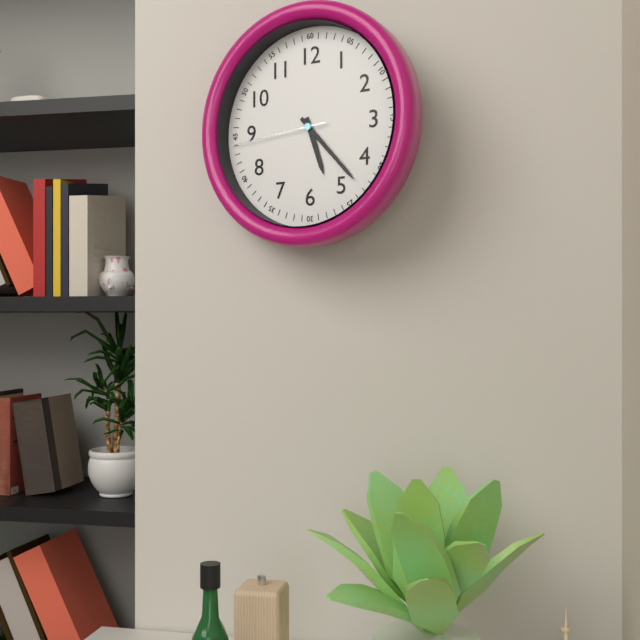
**5:23:44**
